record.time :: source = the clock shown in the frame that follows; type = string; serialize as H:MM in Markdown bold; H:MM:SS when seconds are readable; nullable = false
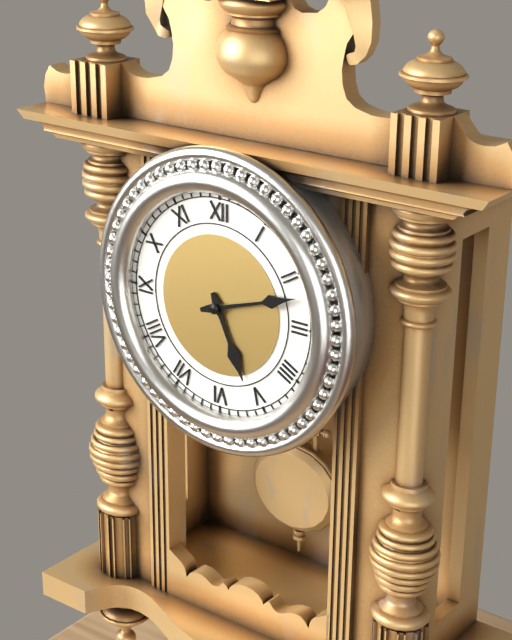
**5:12**
